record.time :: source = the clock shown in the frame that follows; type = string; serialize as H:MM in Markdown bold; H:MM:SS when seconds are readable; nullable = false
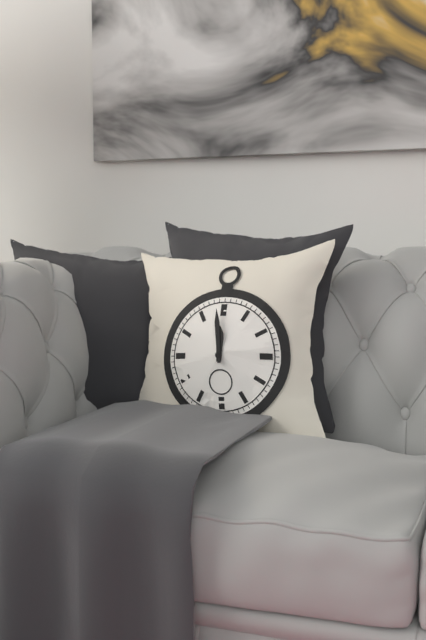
**11:59**
